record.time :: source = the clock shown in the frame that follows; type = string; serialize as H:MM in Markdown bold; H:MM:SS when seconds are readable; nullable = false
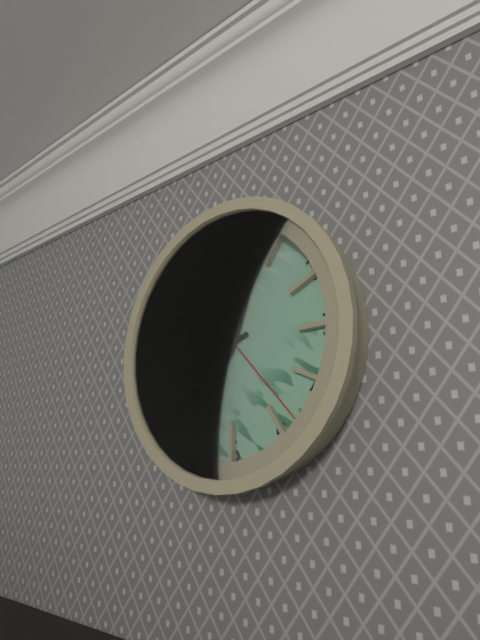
**12:42:23**
